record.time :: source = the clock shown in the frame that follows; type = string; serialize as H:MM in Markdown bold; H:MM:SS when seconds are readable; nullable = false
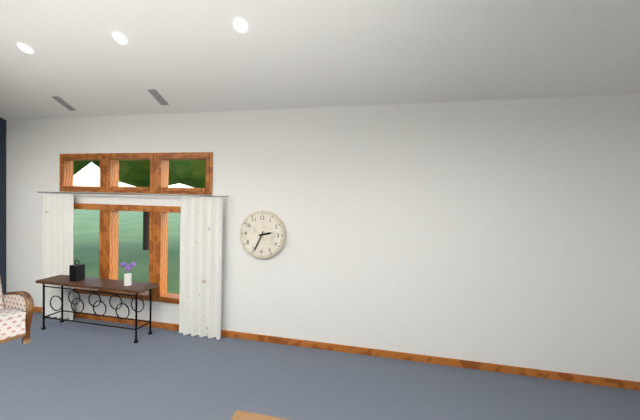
**2:34**
